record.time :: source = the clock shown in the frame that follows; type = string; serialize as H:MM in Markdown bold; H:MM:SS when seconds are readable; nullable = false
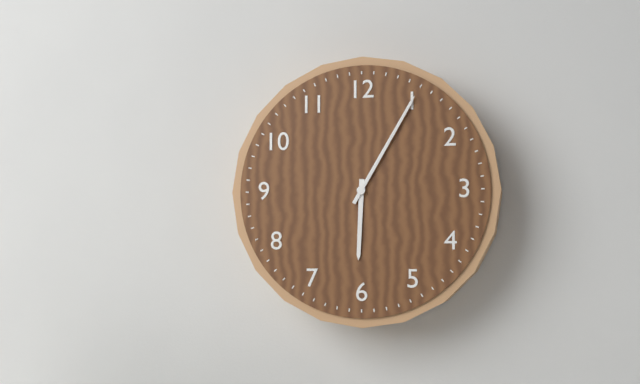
**6:05**
